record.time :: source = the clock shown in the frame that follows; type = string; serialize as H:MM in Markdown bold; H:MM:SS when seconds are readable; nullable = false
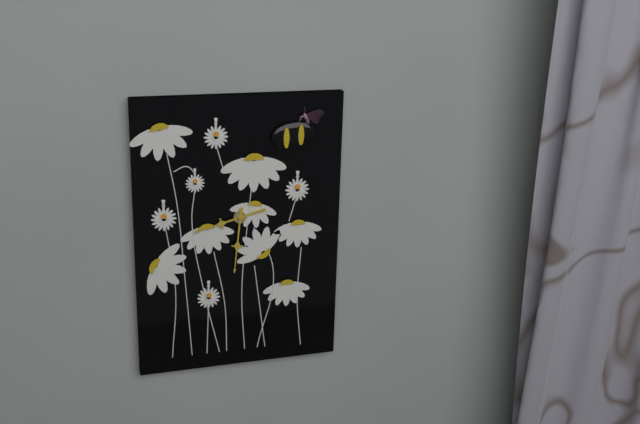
**8:31**
